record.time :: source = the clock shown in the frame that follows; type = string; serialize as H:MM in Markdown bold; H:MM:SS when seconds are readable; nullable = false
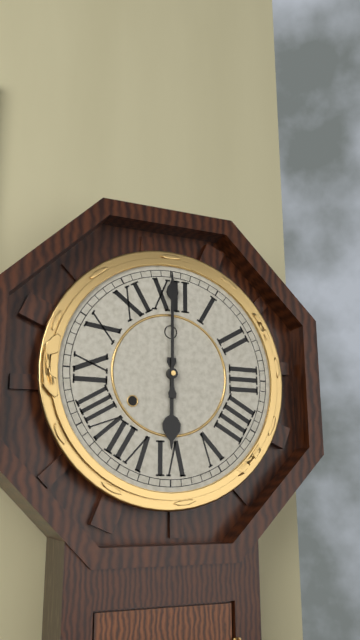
**6:00**
